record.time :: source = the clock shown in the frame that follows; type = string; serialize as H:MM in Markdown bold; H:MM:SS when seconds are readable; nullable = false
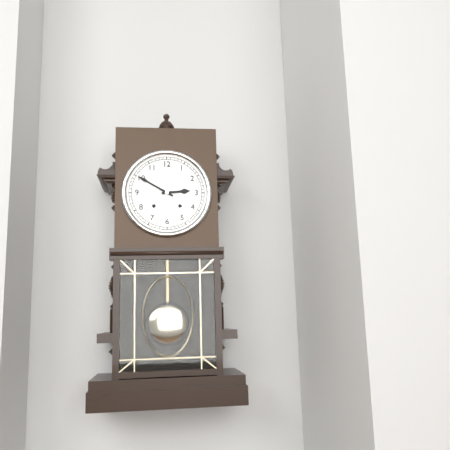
**2:50**
